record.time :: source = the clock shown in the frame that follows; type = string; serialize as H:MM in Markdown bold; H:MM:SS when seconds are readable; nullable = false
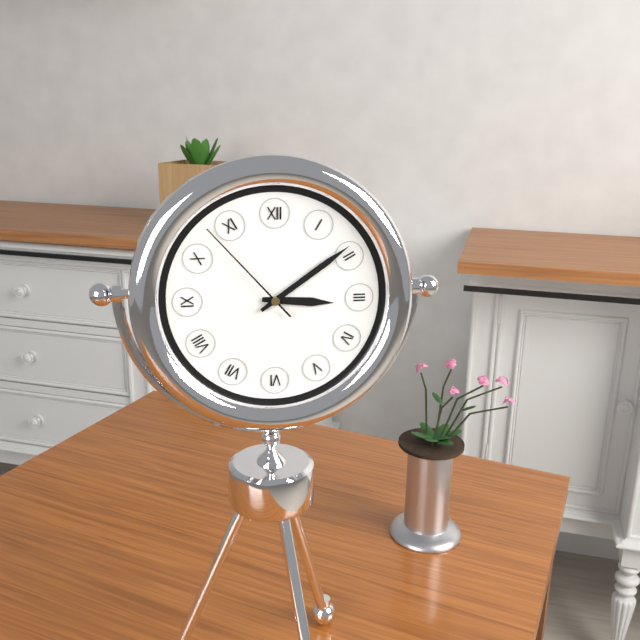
**3:09:53**
